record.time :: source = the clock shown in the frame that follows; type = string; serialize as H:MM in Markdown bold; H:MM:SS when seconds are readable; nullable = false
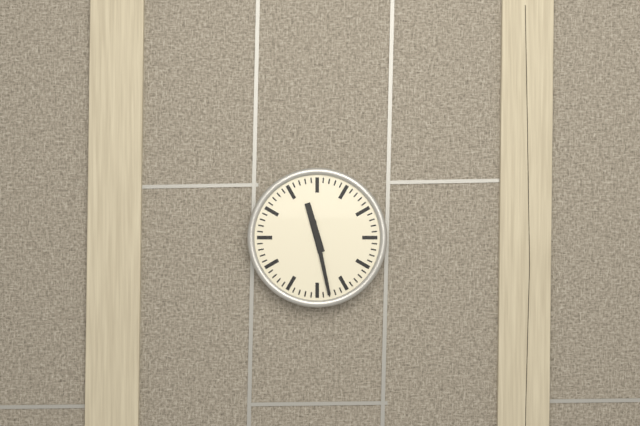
**11:28**
